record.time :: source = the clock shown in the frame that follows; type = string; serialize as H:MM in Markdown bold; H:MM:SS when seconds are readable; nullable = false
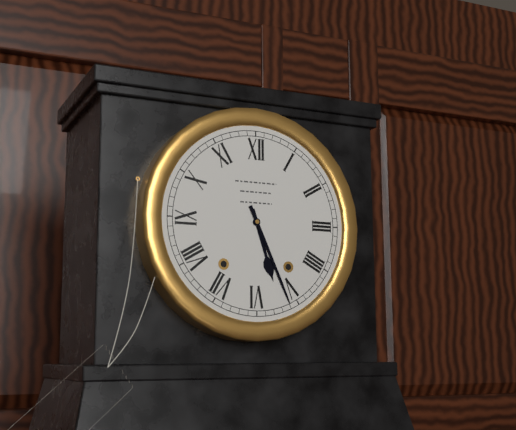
**5:26**
